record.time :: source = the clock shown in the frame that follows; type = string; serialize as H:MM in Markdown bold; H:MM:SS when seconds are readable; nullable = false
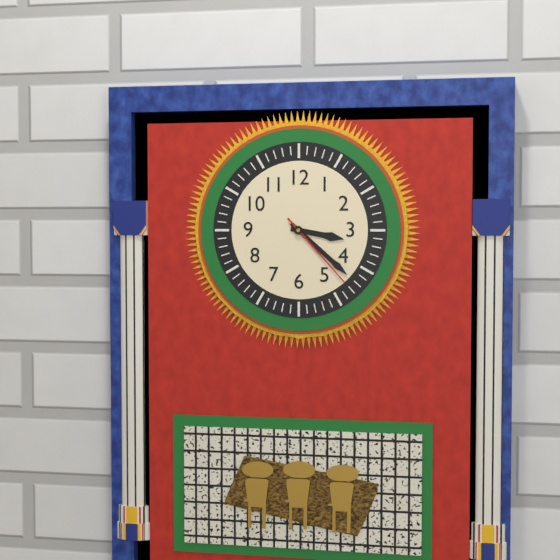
**3:22:23**
